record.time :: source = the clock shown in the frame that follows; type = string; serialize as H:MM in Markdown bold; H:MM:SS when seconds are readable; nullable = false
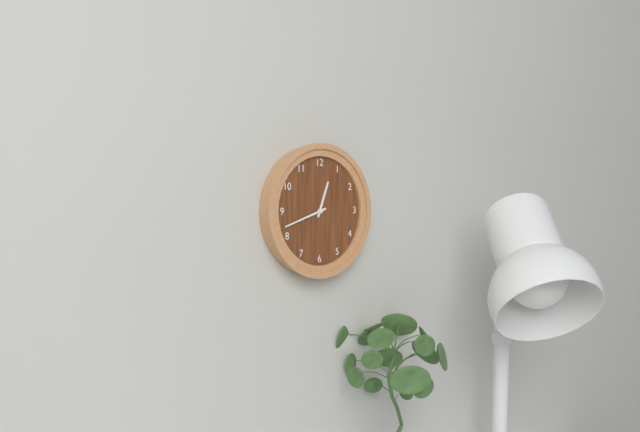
**12:42**
